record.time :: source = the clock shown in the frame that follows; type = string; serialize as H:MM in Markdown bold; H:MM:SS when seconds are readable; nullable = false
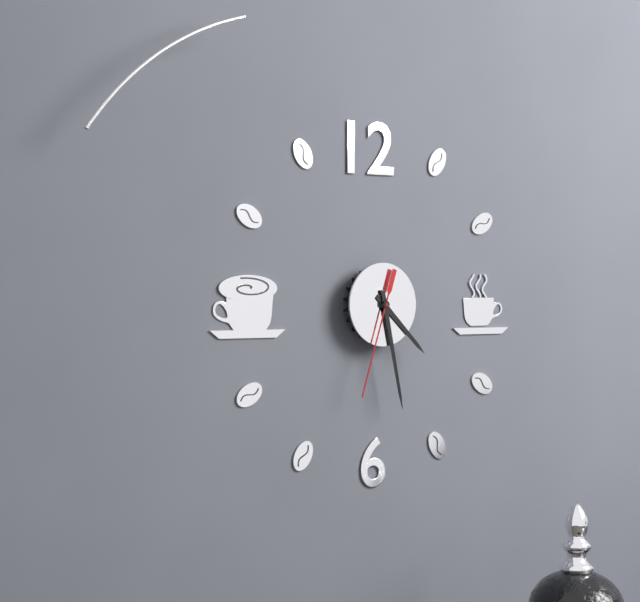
**4:28:33**
